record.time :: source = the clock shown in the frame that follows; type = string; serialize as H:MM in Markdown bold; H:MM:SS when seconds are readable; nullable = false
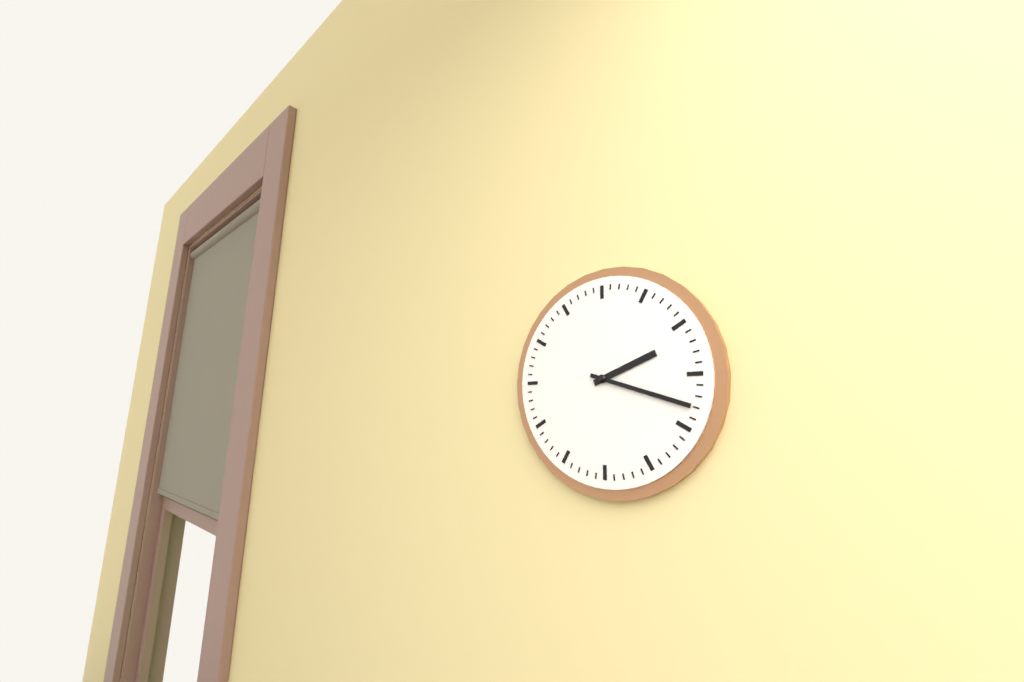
**2:18**
